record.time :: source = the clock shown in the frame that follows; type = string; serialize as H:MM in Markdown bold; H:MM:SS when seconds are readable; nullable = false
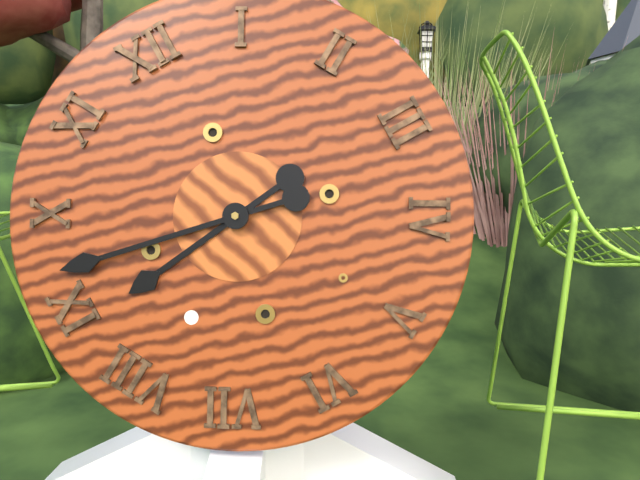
**8:47**
